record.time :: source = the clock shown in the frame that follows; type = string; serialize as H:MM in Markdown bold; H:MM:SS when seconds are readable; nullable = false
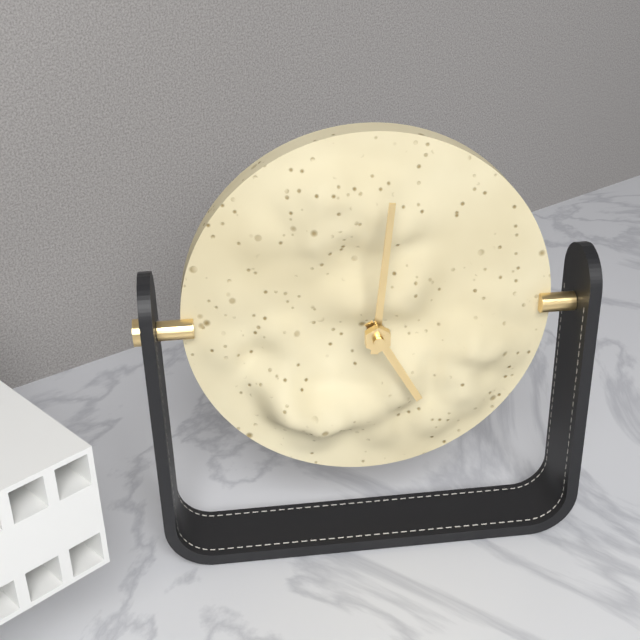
**5:01**
